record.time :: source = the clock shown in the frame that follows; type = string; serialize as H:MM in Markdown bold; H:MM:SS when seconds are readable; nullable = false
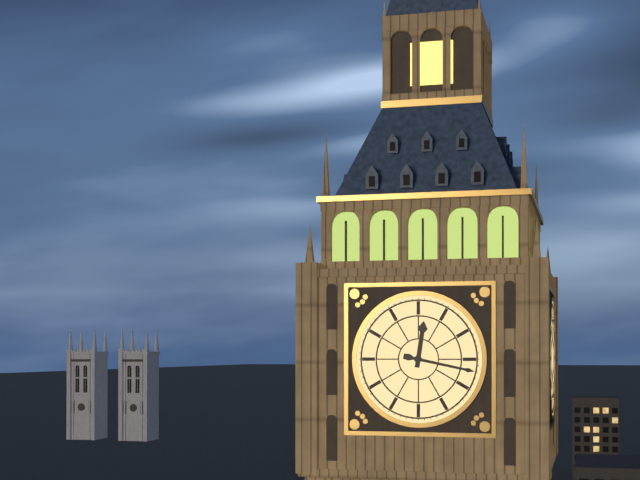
**12:17**
